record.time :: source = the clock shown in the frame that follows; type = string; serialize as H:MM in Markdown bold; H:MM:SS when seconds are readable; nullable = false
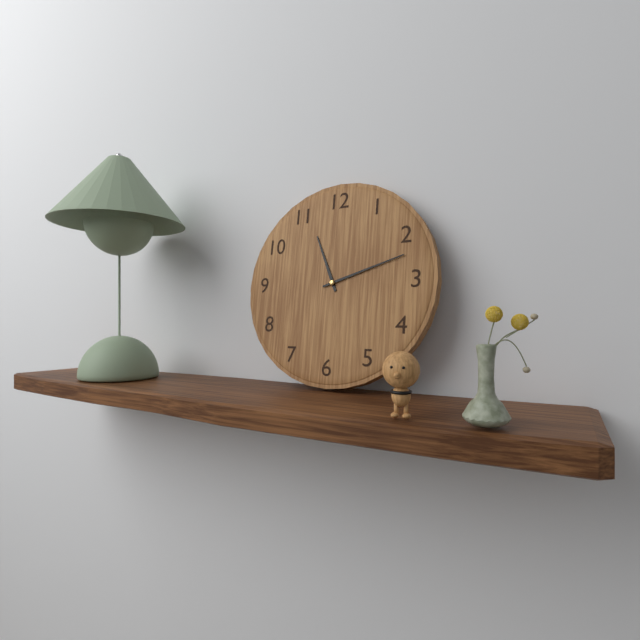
**11:12**
